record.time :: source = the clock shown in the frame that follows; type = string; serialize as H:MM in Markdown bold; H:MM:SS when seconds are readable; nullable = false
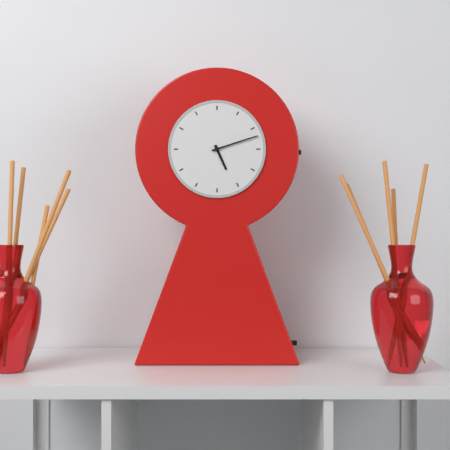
**5:12**
